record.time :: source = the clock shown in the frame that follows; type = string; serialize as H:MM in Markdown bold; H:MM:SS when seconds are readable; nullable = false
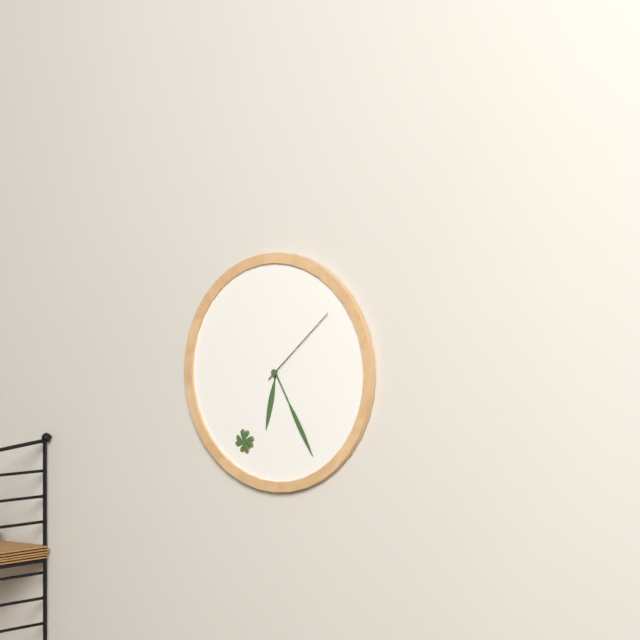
**6:25:08**
